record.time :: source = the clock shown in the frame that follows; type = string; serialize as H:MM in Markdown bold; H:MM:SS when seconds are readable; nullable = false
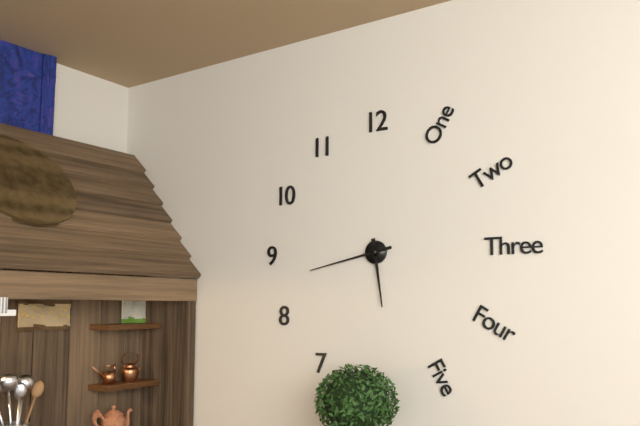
**5:43**
